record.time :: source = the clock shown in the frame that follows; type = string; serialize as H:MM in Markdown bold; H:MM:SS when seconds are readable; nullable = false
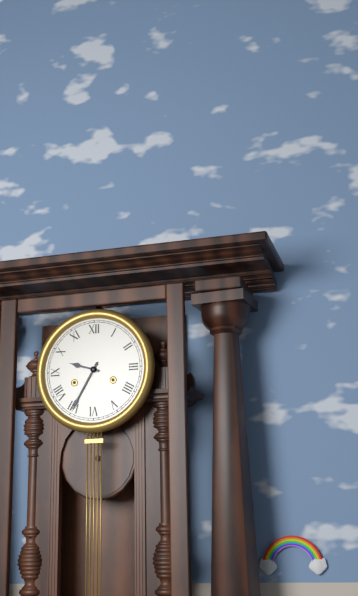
**9:35**
